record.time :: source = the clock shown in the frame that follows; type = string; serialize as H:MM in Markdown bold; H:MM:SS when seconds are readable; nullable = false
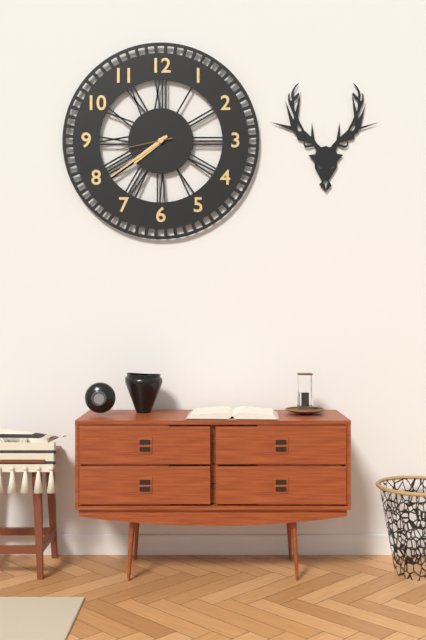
**7:39:43**
